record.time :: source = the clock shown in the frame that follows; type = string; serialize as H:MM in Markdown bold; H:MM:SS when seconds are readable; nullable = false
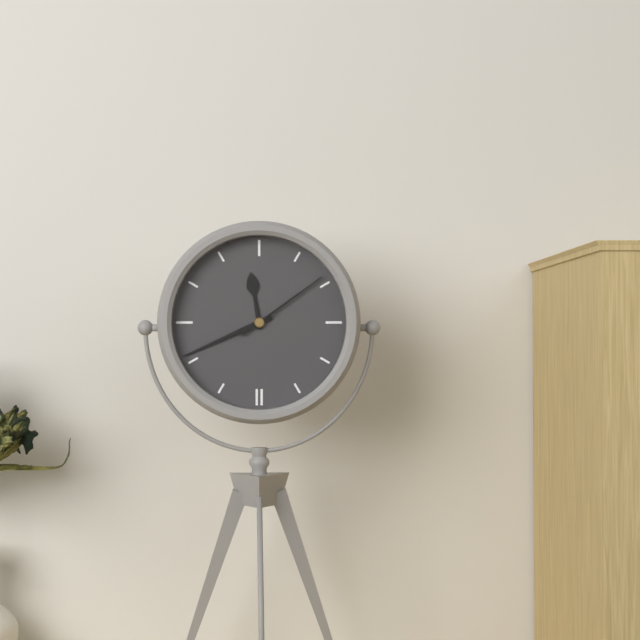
**11:41:09**
